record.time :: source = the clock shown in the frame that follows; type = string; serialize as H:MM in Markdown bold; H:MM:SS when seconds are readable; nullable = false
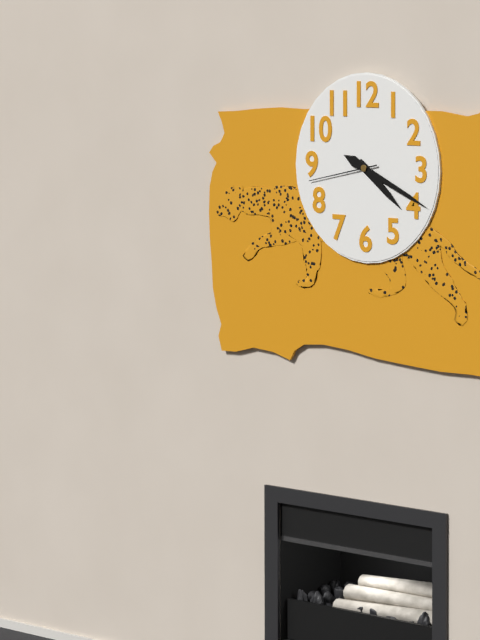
**4:19:43**
